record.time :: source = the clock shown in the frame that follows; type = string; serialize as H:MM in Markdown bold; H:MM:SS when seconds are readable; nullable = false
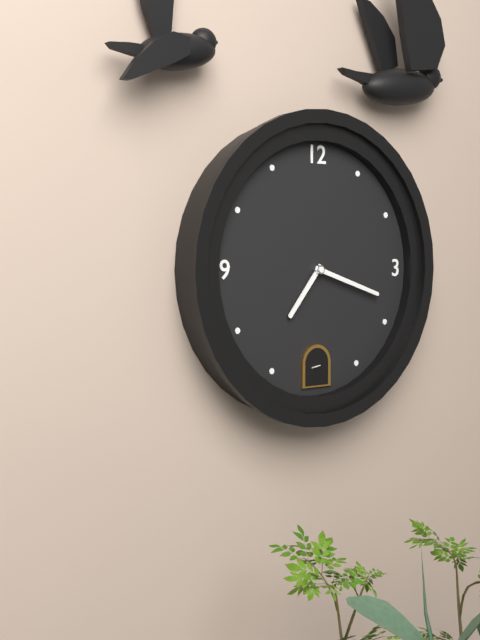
**7:18**
